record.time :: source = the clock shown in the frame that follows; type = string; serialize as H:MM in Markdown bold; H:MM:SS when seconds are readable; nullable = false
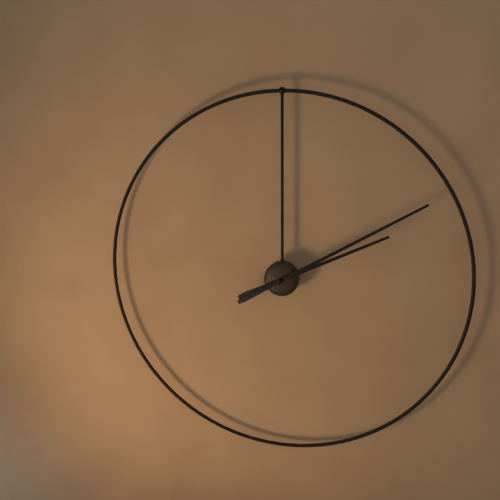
**2:10**
